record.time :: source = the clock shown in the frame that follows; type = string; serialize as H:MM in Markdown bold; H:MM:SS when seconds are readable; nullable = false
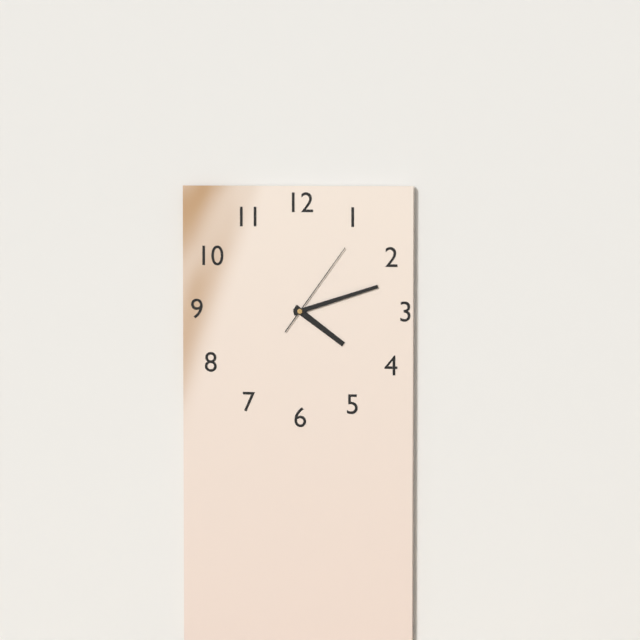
**4:12:06**
